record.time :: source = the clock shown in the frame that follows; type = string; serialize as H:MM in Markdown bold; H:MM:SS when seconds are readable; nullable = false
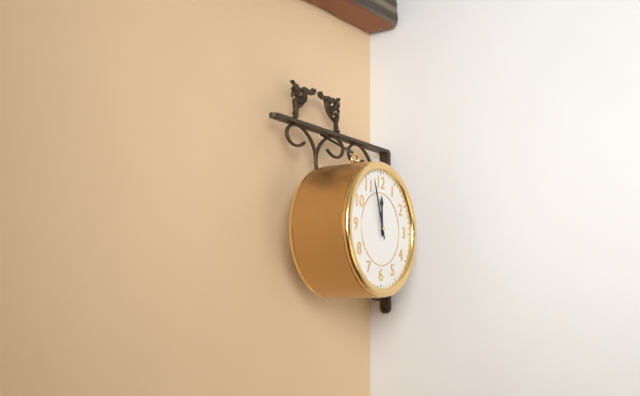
**11:57**
